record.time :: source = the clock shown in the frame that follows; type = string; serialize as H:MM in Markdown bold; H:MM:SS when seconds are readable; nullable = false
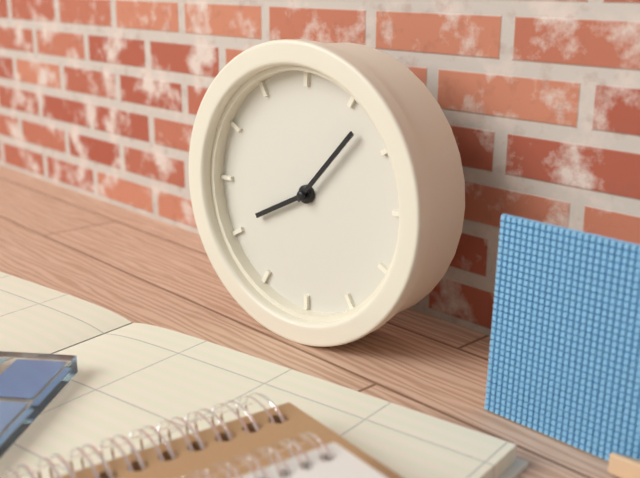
**8:07**
